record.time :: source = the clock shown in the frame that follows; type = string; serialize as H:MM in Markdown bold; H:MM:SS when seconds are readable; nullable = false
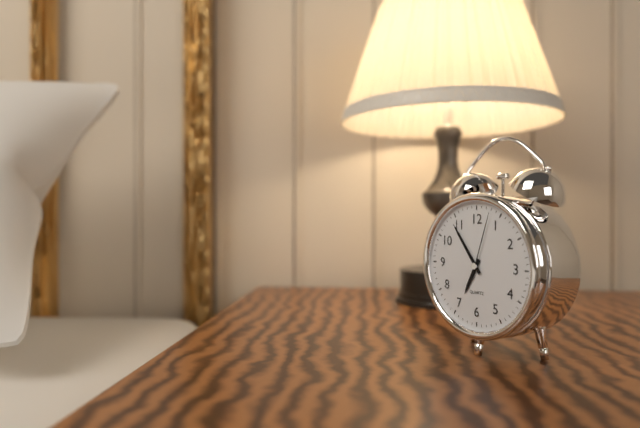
**6:54:03**
